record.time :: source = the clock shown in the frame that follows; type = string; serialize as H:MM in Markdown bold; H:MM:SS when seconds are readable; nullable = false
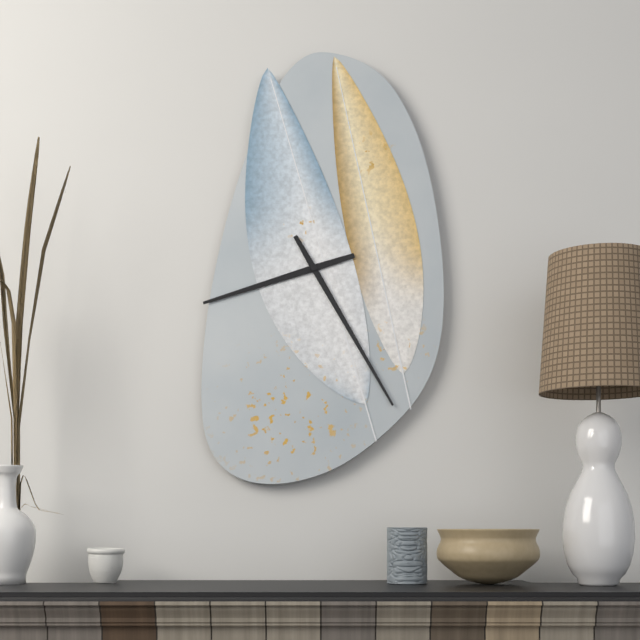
**8:25**
